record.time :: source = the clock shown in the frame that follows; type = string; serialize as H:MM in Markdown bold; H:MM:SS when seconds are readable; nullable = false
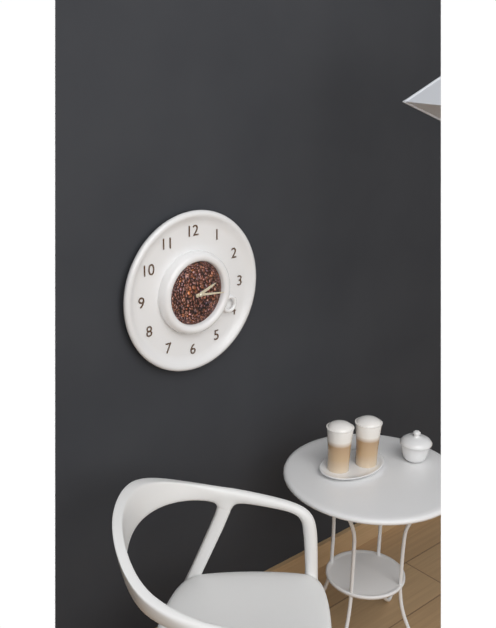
**2:16**
